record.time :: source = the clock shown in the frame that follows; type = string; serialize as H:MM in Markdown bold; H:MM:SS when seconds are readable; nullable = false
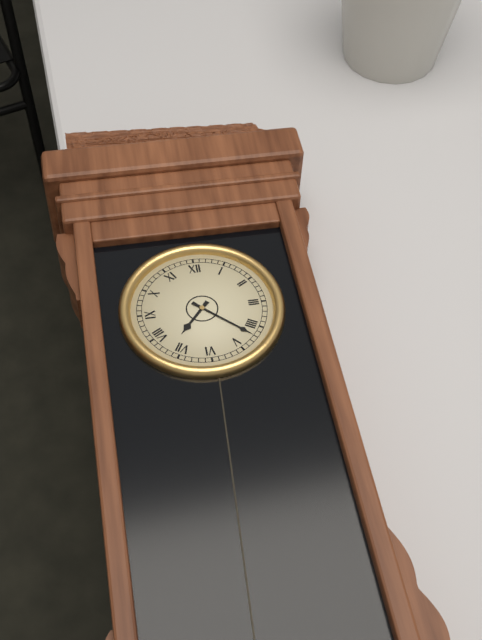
**7:22**
